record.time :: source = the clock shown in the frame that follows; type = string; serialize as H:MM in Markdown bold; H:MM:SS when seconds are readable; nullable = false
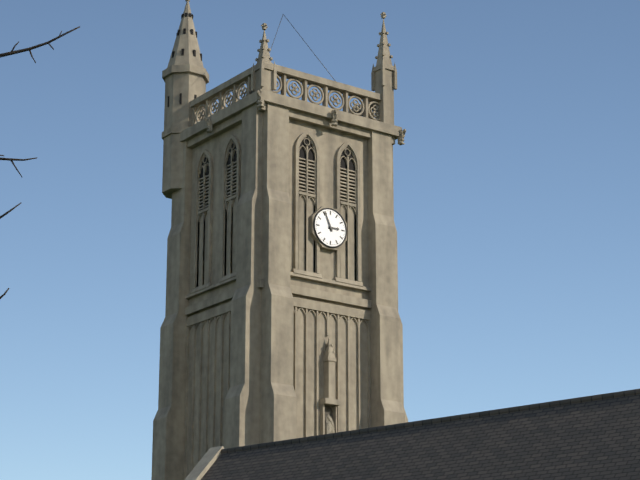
**2:56**
